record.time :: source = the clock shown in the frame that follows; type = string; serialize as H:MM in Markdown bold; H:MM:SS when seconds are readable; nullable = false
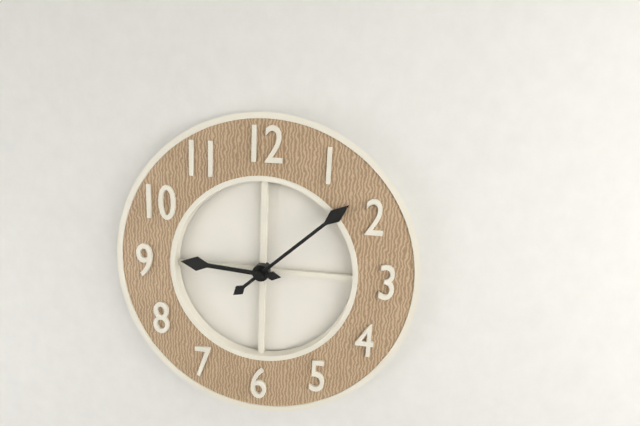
**9:08**
